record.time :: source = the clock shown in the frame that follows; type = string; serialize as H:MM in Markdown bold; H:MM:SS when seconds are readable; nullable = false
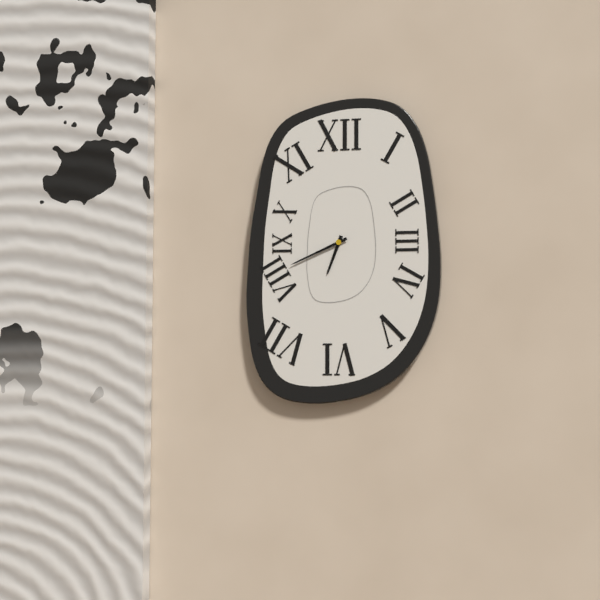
**6:41**
